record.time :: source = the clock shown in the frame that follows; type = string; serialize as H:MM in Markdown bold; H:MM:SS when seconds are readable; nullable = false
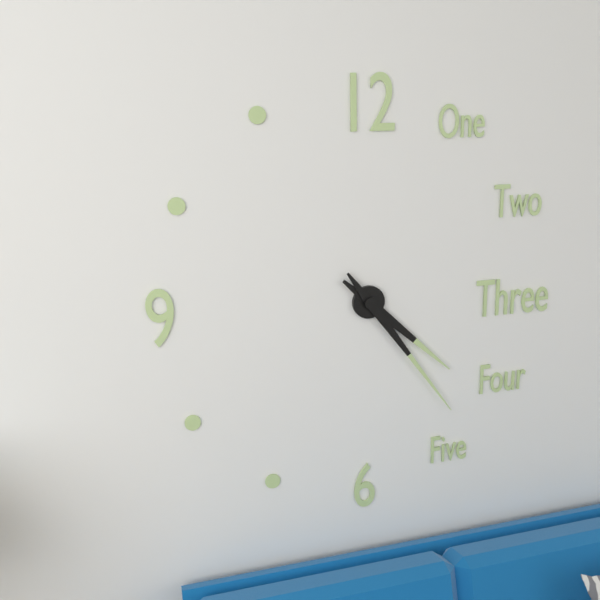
**4:24**
